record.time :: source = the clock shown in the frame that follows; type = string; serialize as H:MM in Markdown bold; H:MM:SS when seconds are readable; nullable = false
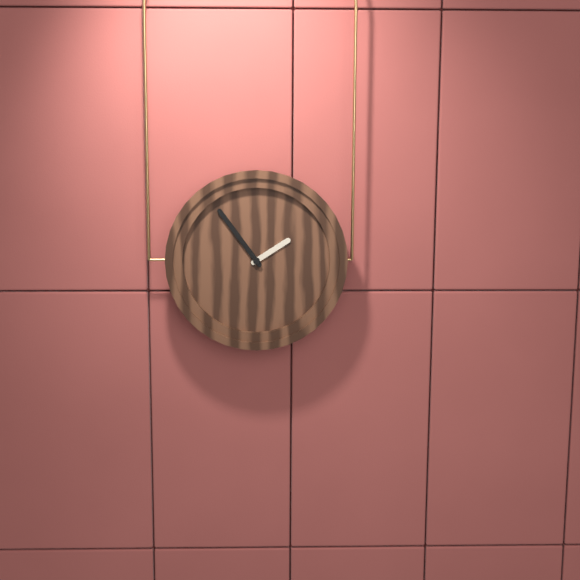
**1:54**
